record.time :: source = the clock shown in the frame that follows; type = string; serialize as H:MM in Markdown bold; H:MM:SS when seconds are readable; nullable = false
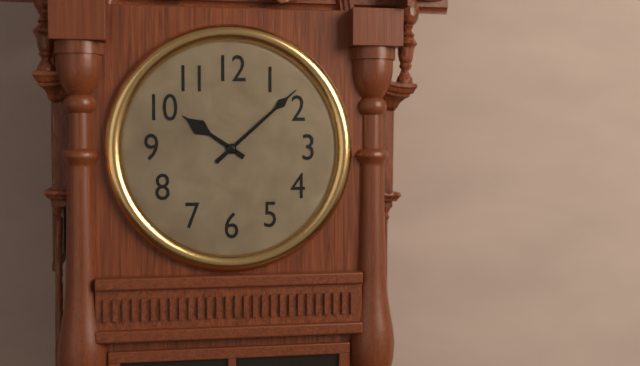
**10:08**
